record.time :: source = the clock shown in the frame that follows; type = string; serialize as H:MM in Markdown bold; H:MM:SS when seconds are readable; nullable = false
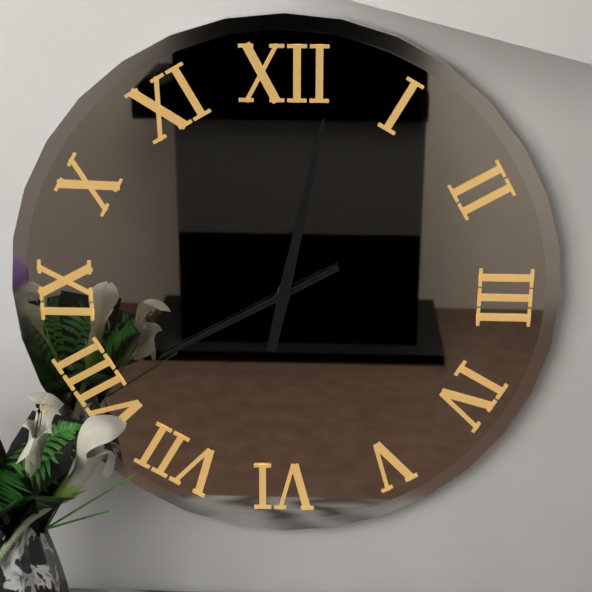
**8:02**
